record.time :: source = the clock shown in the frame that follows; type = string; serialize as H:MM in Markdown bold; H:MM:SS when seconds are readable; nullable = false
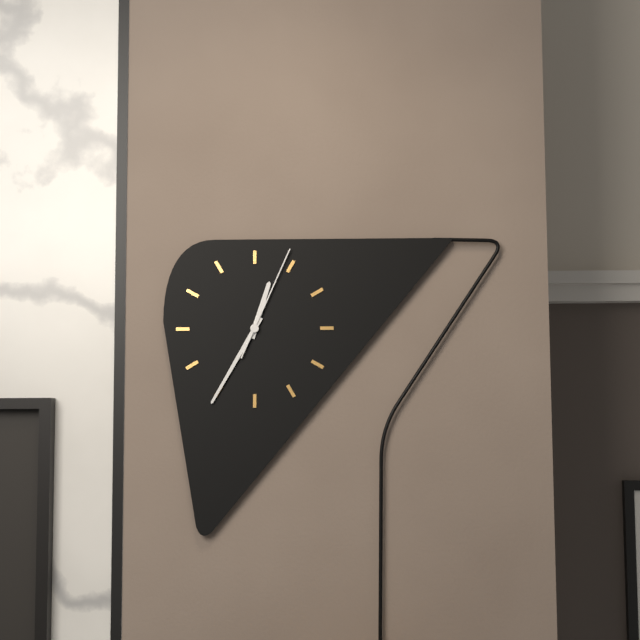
**12:35:04**
